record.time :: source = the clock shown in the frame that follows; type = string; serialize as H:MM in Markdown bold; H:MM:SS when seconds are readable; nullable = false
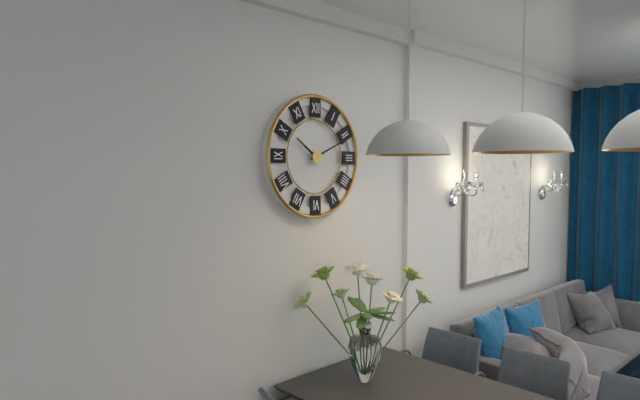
**10:11**
